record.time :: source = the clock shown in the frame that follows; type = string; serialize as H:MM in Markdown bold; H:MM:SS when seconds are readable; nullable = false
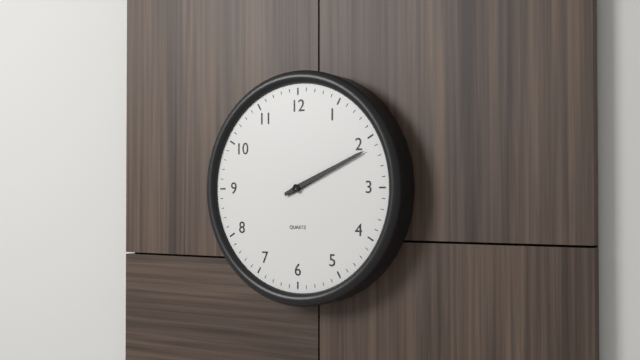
**2:11**
